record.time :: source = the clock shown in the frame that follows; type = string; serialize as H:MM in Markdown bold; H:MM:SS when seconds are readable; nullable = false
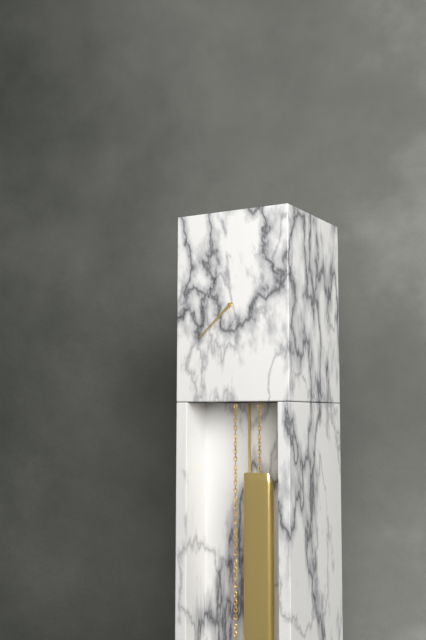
**7:38**
